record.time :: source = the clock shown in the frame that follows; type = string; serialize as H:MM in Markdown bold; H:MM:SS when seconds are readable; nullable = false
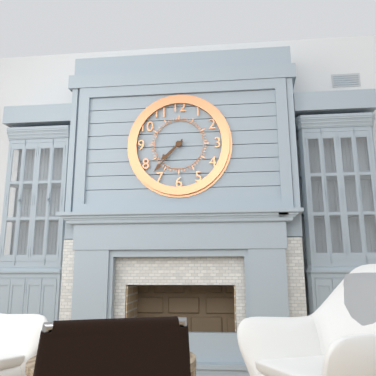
**7:37**
